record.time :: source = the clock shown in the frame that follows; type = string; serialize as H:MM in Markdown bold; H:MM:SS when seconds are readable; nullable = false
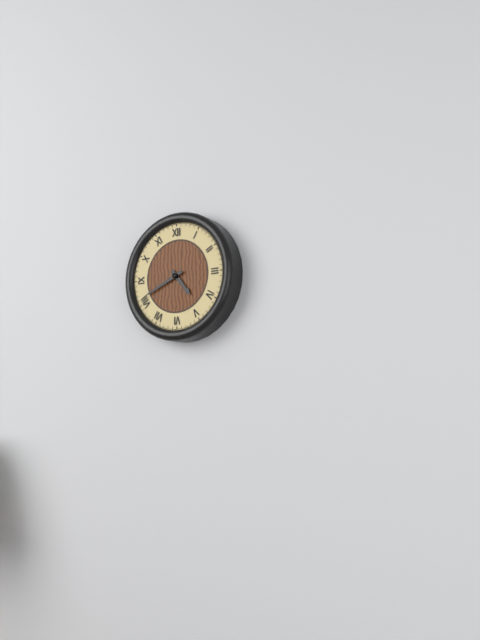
**4:41**
